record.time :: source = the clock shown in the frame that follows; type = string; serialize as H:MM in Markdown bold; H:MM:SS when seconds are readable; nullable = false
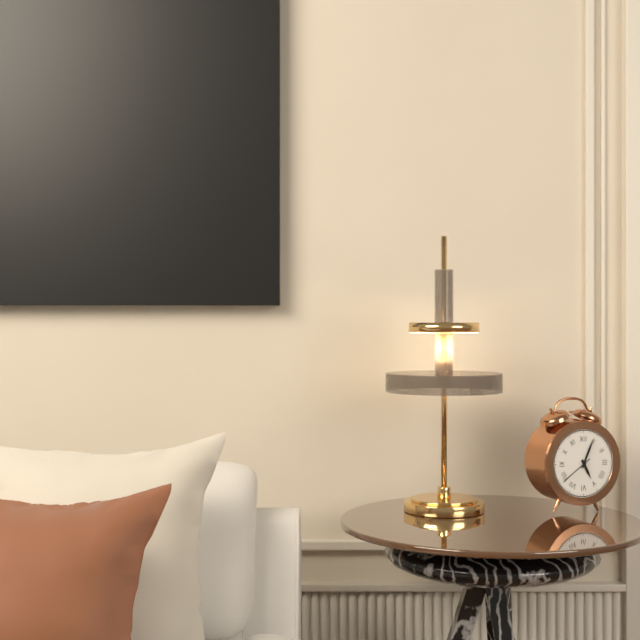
**5:04**
